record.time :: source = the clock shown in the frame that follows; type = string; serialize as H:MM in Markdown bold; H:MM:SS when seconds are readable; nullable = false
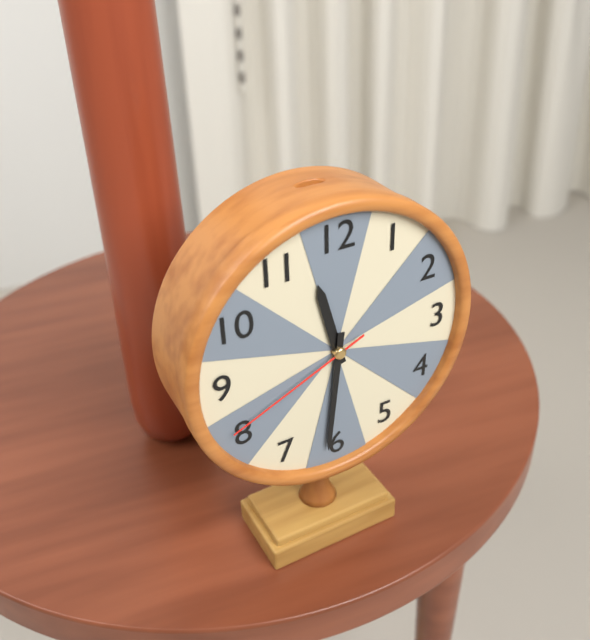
**11:31:41**
